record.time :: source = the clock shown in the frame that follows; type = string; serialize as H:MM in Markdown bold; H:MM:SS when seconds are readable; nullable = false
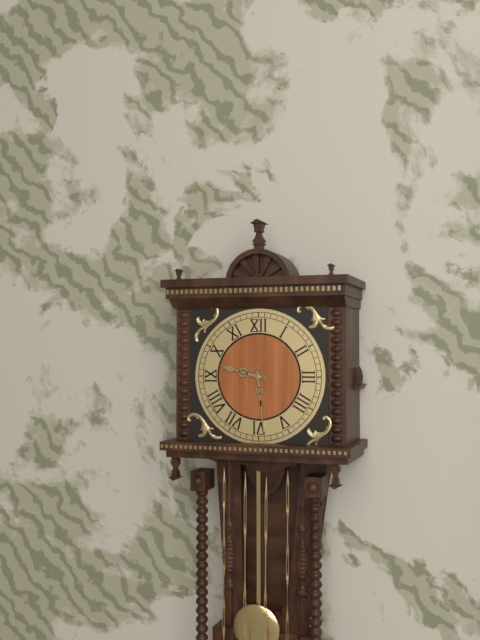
**9:29**
